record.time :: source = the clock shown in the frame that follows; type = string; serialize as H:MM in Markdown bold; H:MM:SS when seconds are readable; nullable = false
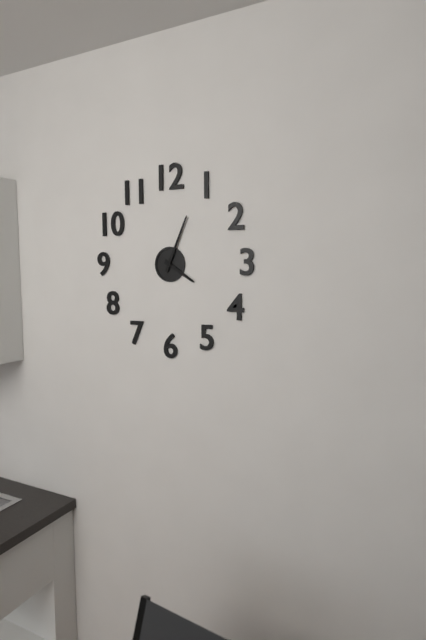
**4:04**
